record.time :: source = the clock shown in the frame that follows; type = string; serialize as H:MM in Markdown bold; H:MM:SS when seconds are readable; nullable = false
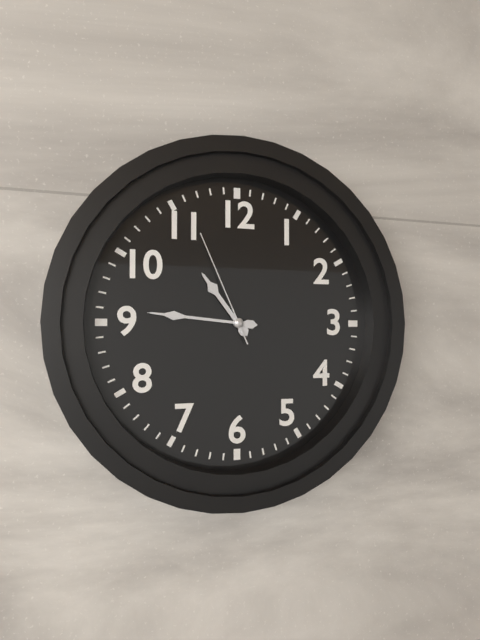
**10:46:56**
